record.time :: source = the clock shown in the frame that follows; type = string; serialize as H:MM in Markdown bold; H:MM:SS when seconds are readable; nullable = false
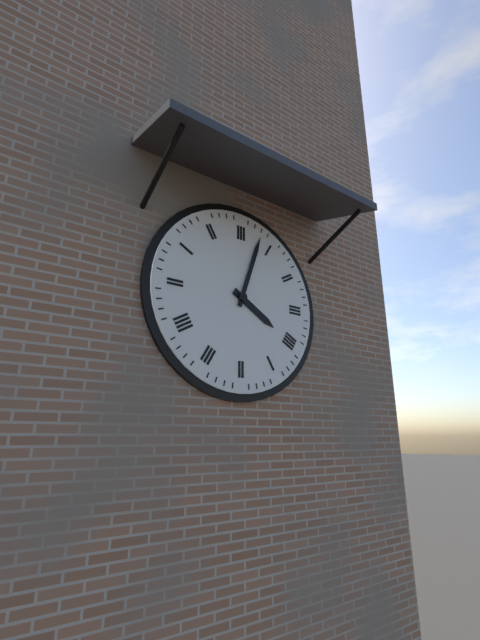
**4:03**
